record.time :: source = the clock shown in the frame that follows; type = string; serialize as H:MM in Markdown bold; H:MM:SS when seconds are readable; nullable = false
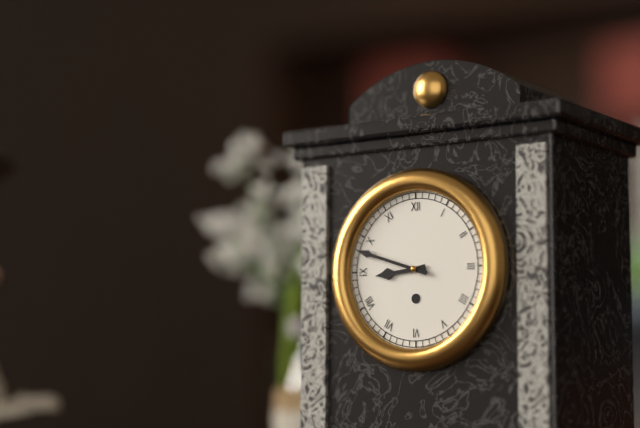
**8:48**
